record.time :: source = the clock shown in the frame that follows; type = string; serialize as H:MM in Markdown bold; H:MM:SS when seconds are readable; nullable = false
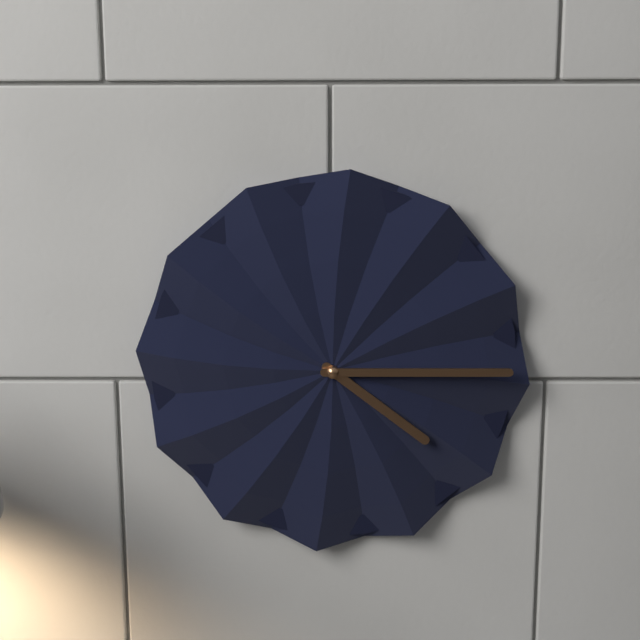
**4:15**
